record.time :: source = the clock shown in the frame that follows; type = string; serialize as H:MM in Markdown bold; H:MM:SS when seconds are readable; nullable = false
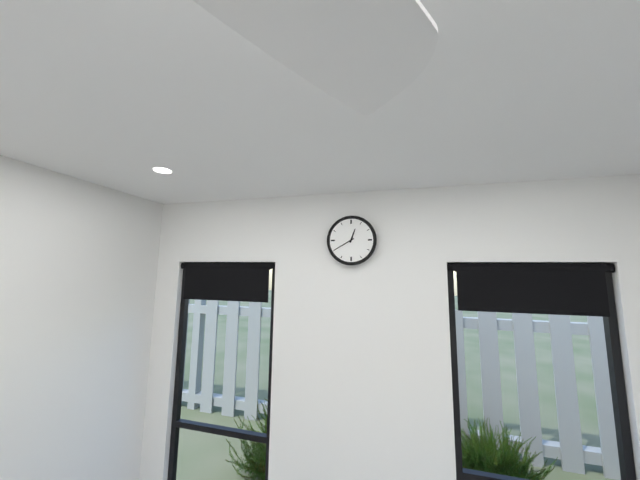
**12:40**
